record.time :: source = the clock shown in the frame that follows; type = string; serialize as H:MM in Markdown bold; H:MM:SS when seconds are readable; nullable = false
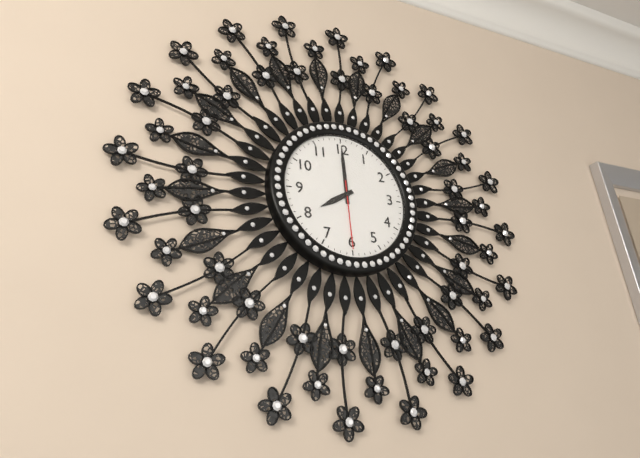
**8:00:30**
